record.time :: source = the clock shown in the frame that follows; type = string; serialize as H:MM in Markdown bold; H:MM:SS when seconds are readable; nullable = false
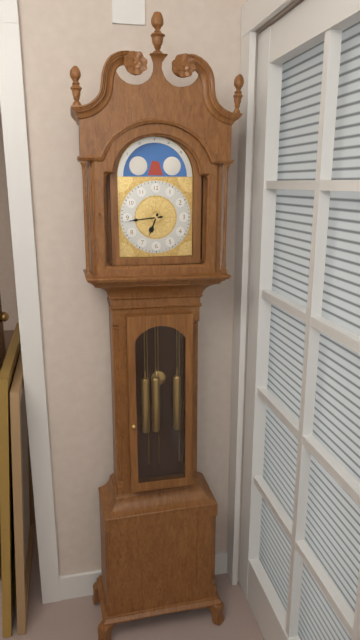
**6:44**
